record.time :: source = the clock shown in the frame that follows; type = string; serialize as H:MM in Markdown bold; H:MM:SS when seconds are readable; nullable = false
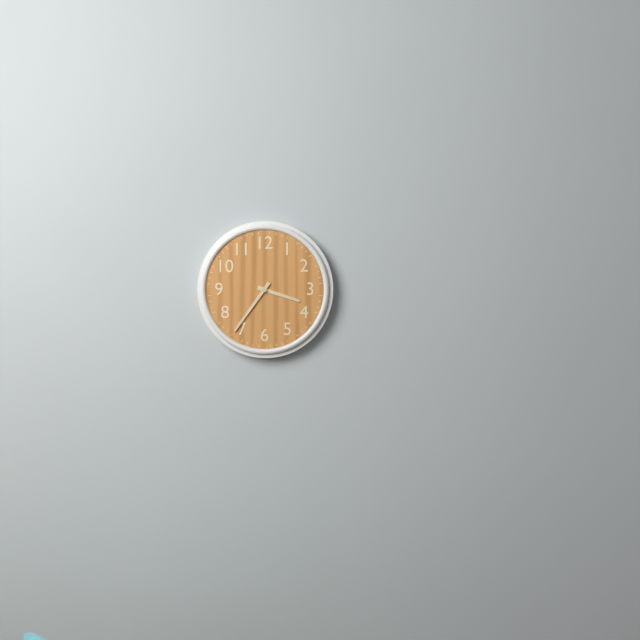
**3:36**
